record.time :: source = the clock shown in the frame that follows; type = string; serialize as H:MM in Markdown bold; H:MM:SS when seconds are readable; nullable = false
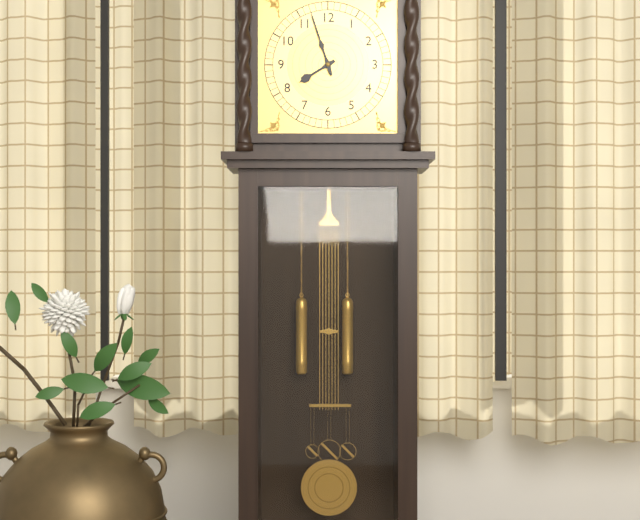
**7:57**
